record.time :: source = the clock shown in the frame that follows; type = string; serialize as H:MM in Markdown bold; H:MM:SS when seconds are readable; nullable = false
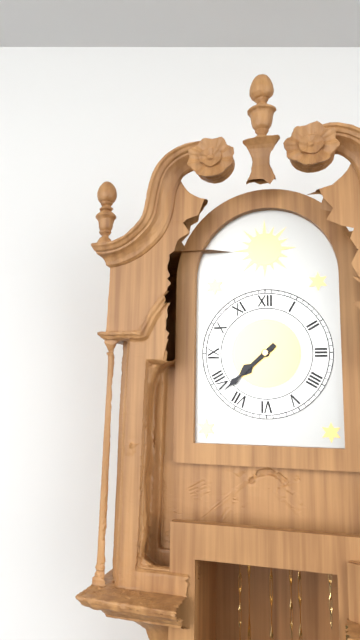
**7:38**
